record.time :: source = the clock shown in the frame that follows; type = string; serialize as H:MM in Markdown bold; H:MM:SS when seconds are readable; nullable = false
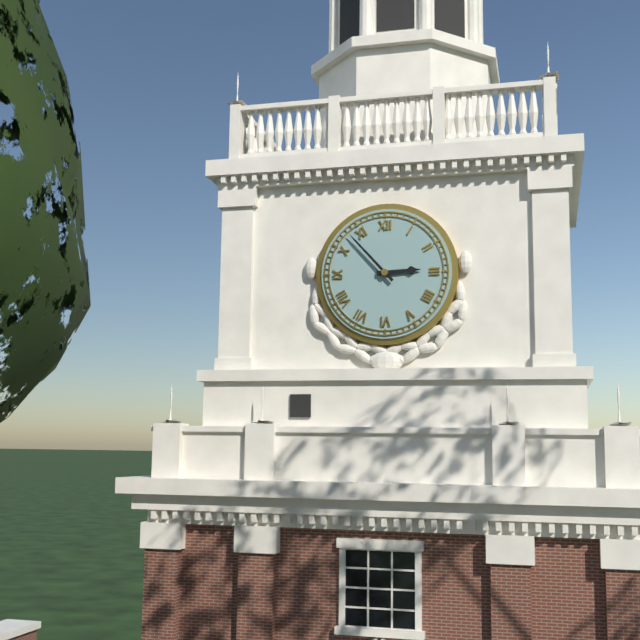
**2:53**
